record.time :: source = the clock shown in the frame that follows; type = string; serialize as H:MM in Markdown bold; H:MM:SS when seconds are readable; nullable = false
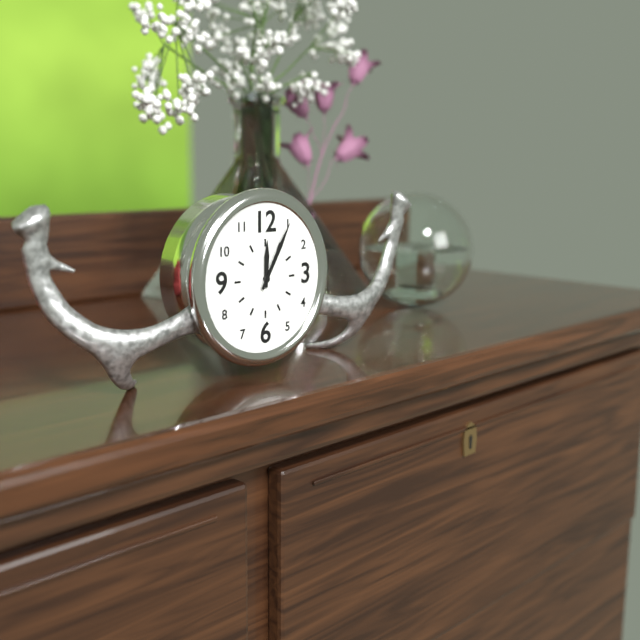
**12:05**
